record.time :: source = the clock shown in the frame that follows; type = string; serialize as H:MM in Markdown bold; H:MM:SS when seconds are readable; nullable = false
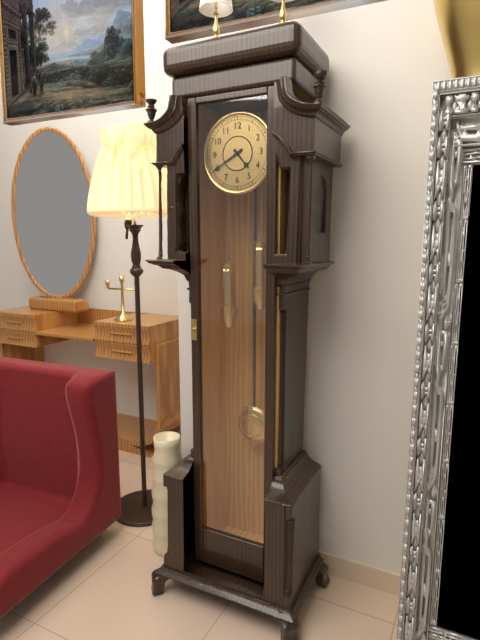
**4:40**
